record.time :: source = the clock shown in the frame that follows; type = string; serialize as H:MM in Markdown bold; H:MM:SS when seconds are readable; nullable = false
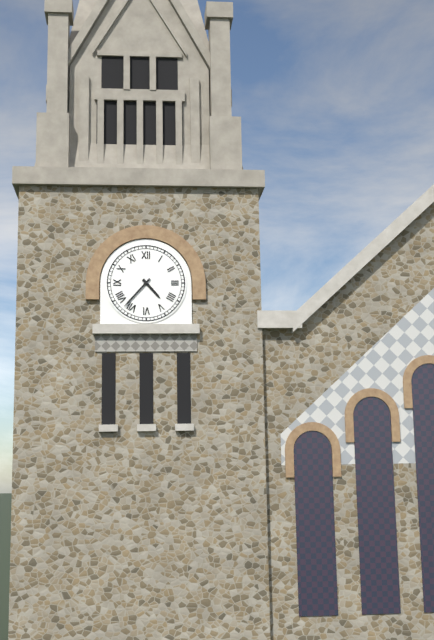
**4:37**
